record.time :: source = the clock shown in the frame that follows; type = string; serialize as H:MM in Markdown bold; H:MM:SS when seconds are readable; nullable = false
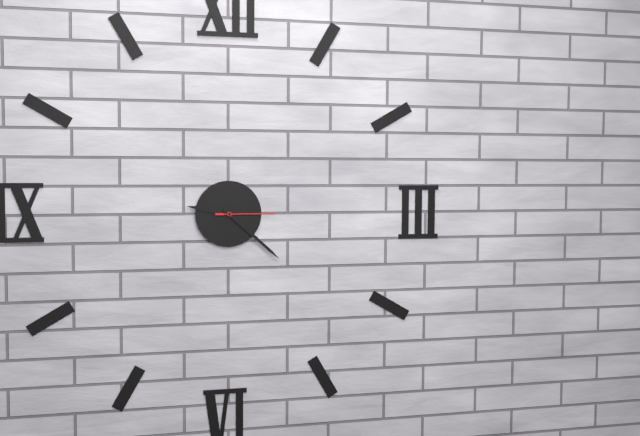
**9:22:15**
